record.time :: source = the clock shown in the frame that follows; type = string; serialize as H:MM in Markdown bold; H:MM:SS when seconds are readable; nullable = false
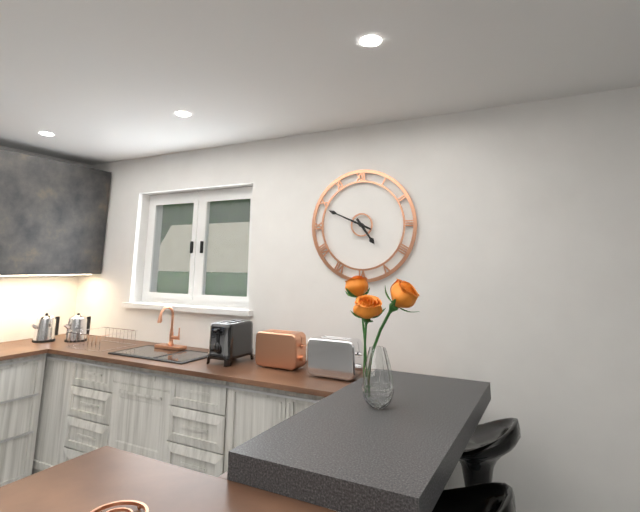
**4:49**
